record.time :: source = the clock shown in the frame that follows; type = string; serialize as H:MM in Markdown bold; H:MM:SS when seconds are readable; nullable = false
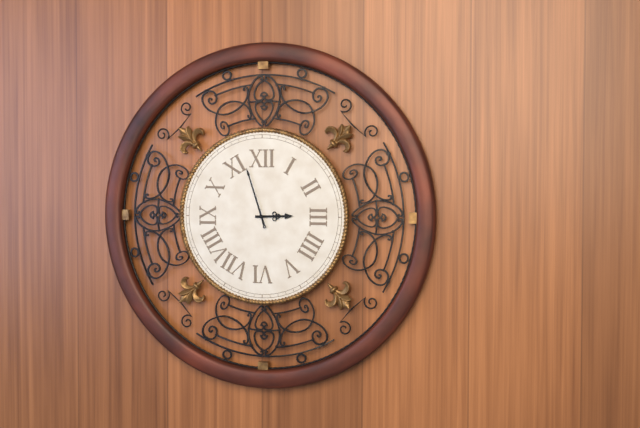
**2:57**
